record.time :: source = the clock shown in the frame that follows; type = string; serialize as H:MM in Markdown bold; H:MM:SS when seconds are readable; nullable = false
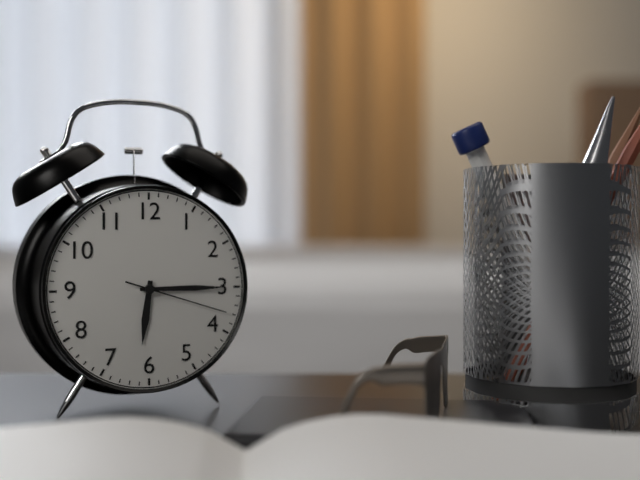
**6:15:18**
